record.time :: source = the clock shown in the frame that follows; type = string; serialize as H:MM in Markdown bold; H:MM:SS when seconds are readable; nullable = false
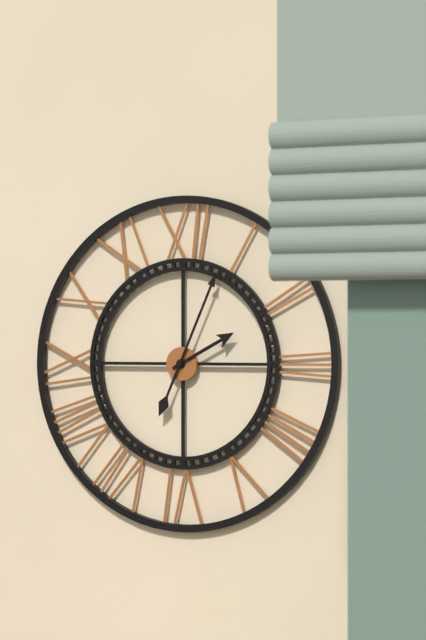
**2:04**
